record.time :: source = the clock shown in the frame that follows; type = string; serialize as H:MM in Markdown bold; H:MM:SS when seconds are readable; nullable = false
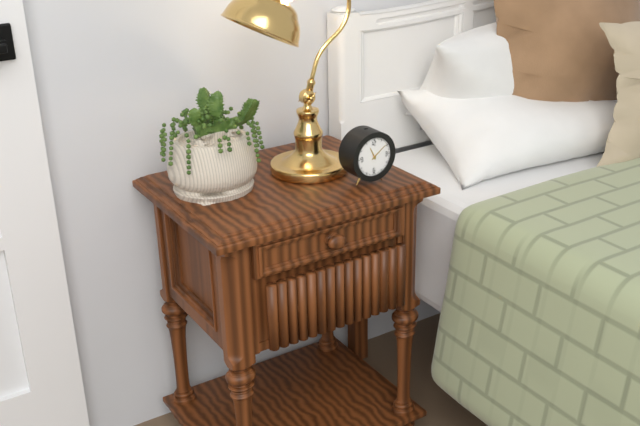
**11:09**
